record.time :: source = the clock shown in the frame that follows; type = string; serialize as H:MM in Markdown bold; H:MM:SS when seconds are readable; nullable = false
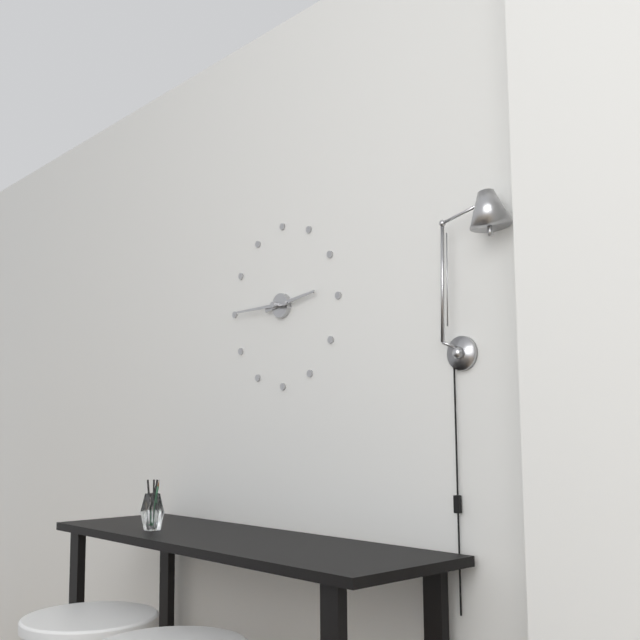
**2:45**
